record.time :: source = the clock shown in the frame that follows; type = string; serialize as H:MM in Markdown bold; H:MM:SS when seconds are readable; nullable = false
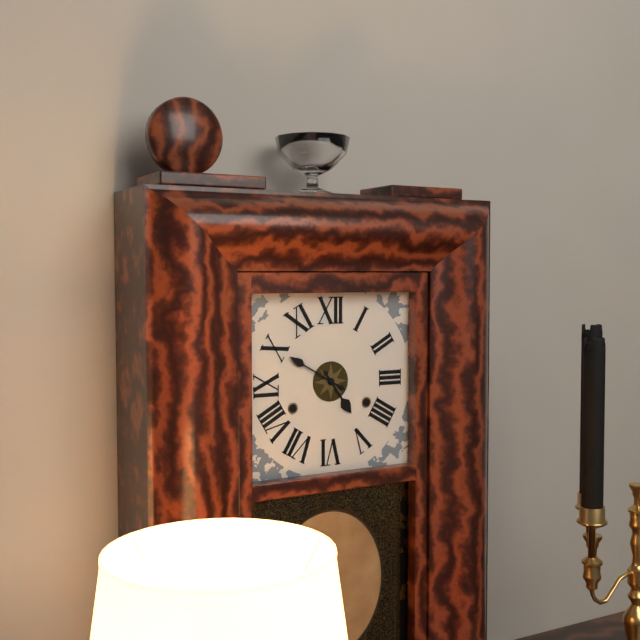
**4:50**
